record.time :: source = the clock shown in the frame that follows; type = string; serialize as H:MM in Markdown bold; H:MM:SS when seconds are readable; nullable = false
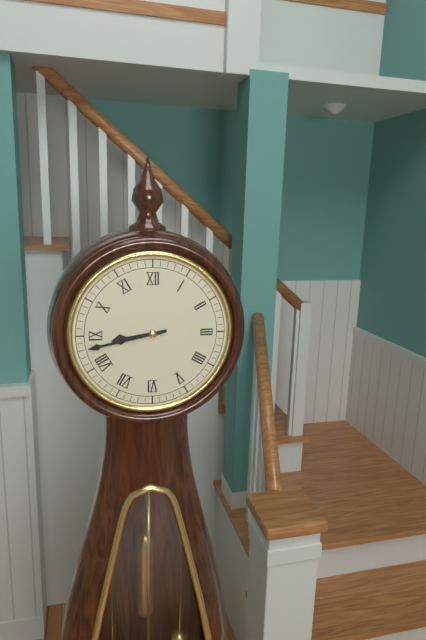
**8:43**
